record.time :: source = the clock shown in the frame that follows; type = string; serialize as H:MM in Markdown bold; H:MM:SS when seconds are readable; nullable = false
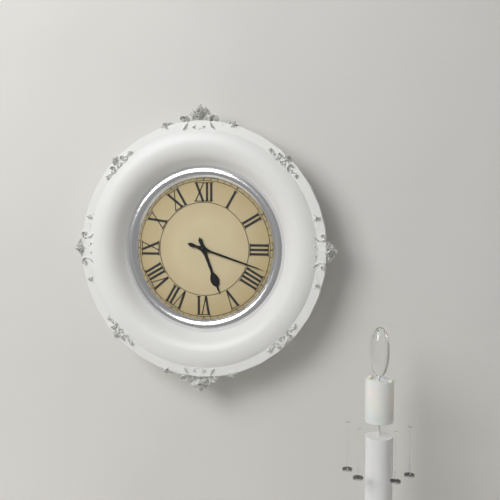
**5:18**
